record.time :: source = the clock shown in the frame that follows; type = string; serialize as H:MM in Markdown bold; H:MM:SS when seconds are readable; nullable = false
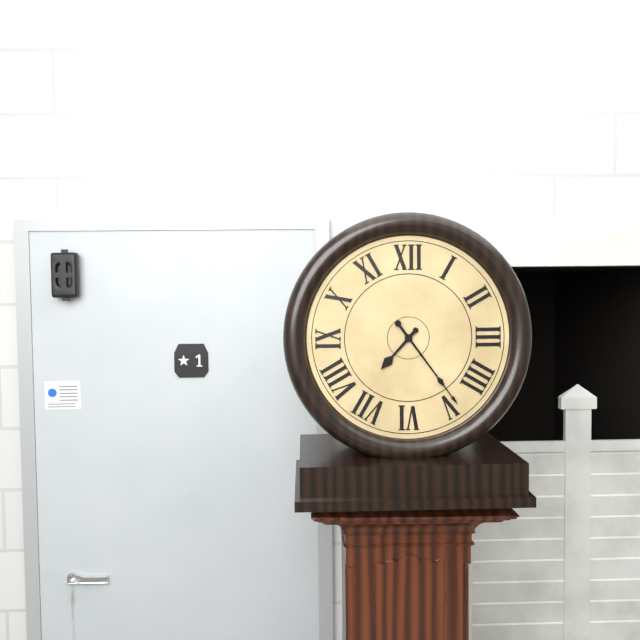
**7:24**
